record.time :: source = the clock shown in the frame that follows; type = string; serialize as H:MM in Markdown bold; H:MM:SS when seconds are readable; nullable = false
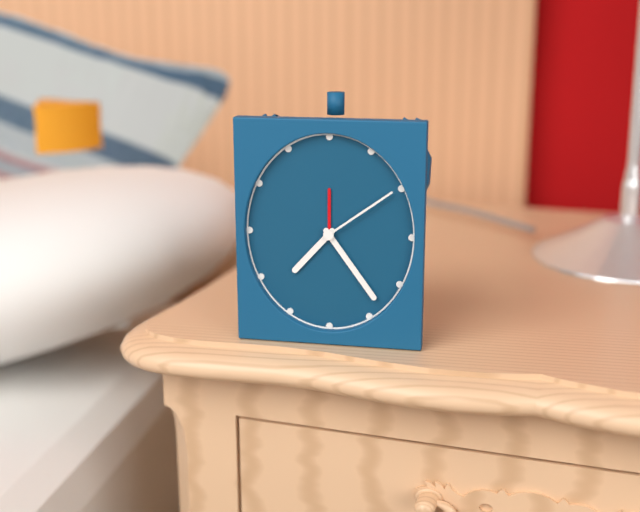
**7:24:09**
